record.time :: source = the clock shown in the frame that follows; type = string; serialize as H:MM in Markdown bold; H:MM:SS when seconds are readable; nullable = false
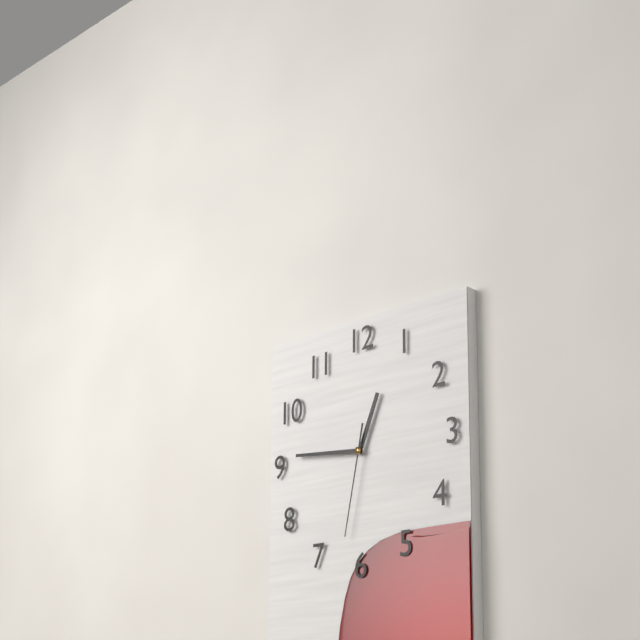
**12:46:32**
